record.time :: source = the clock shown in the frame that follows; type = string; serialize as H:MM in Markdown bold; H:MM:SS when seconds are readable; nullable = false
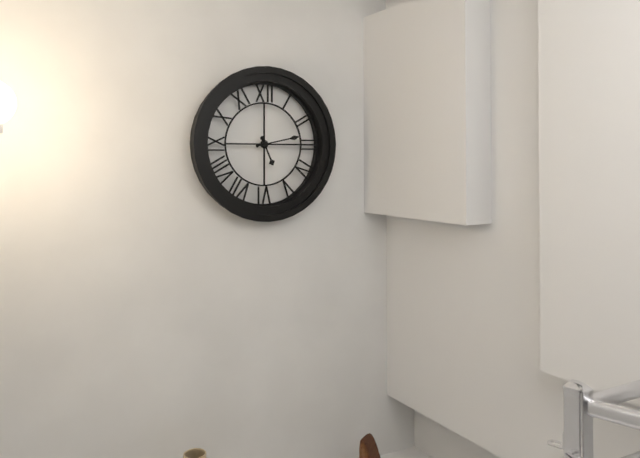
**5:13**
